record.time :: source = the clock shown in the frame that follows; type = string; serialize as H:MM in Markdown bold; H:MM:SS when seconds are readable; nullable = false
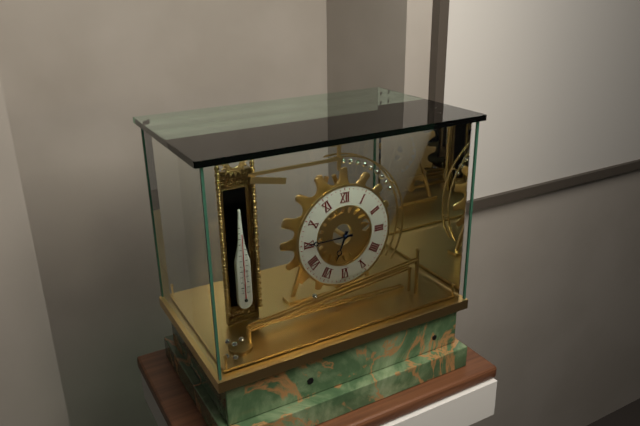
**6:45**
